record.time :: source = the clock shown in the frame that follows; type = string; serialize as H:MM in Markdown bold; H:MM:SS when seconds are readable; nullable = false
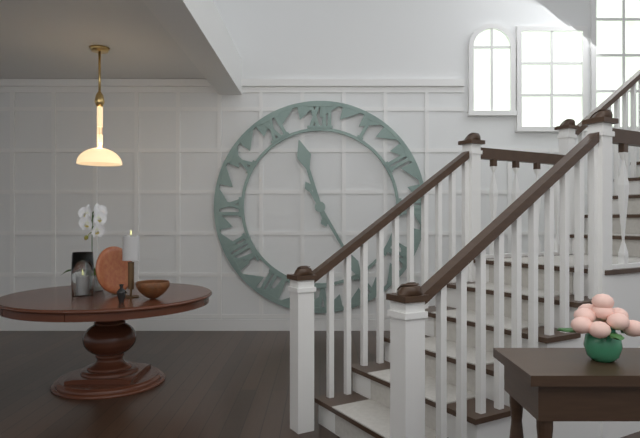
**11:25**
